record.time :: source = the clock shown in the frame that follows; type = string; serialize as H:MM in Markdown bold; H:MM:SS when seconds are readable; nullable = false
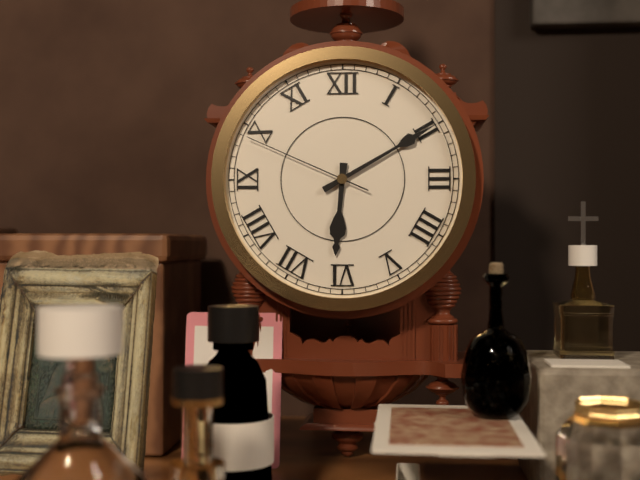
**6:10:49**
